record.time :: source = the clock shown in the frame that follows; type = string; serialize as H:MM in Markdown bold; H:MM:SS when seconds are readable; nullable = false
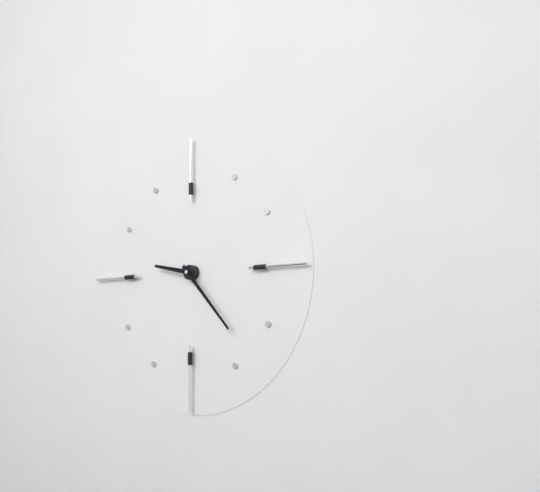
**9:23**
